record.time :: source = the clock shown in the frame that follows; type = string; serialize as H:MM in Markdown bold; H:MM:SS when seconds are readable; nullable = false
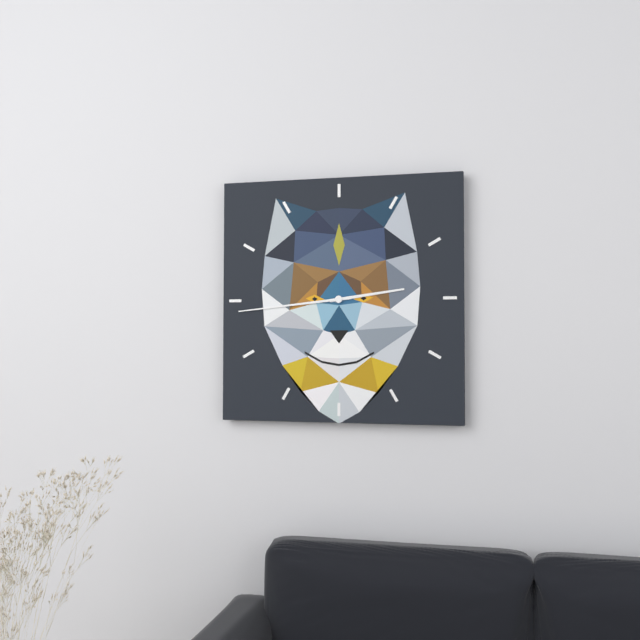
**2:44**
